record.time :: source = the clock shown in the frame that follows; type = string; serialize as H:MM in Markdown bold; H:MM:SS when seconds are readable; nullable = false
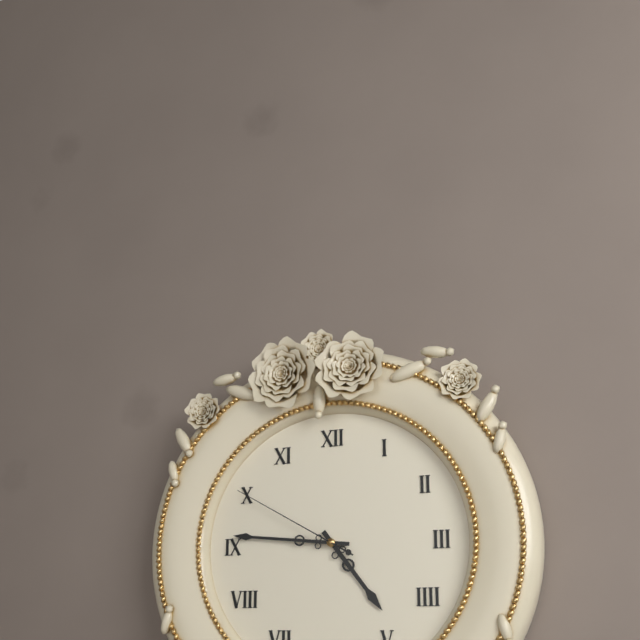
**4:46:50**
